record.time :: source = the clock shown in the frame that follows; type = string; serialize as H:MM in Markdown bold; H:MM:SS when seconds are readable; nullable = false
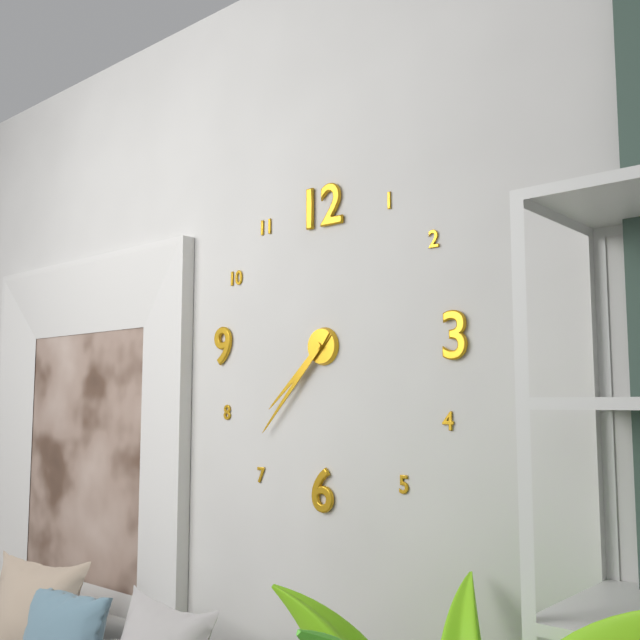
**7:37**
